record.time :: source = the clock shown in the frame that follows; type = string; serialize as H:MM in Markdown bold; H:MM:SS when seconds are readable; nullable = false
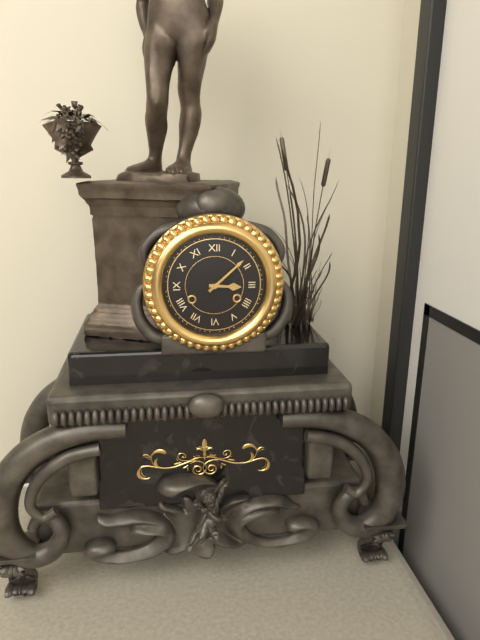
**3:08**
